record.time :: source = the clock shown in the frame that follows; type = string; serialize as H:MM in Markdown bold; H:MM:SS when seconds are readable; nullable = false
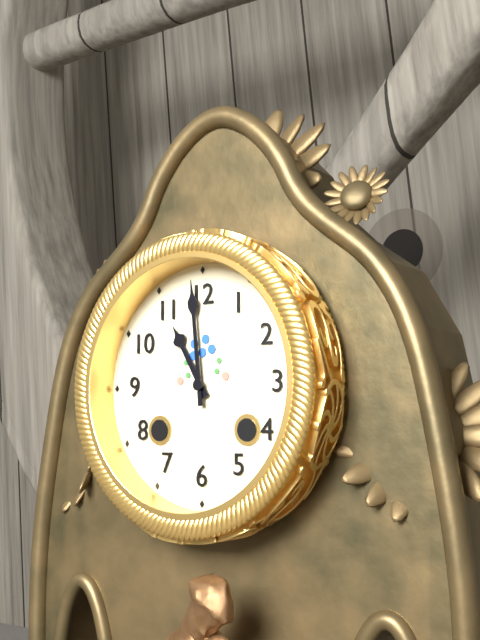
**10:59**
